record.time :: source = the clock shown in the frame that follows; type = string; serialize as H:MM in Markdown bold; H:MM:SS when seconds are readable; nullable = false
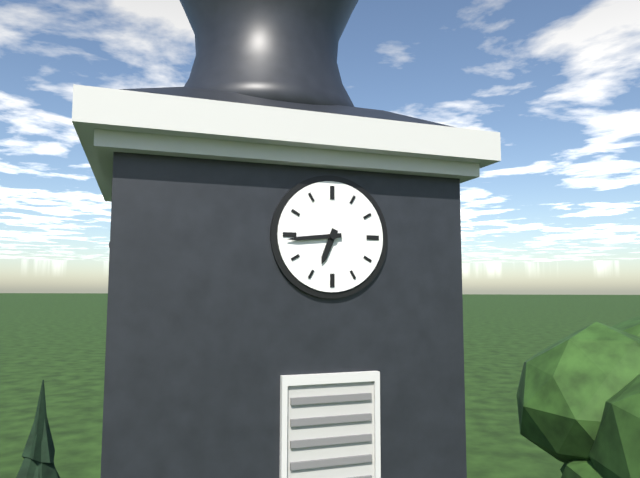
**6:44**
